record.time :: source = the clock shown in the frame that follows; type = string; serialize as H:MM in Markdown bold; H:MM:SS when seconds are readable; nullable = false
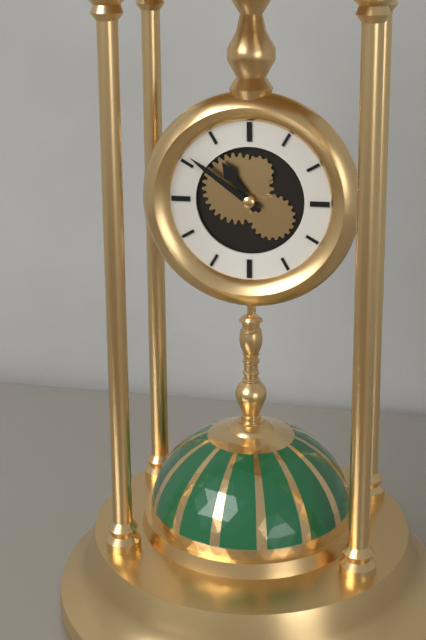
**10:51**
